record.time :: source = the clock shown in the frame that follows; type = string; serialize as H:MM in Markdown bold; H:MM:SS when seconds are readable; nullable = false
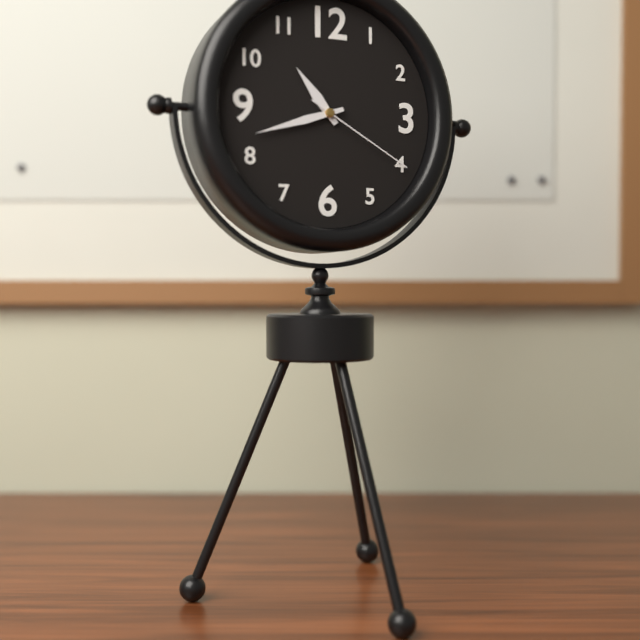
**10:42:20**
